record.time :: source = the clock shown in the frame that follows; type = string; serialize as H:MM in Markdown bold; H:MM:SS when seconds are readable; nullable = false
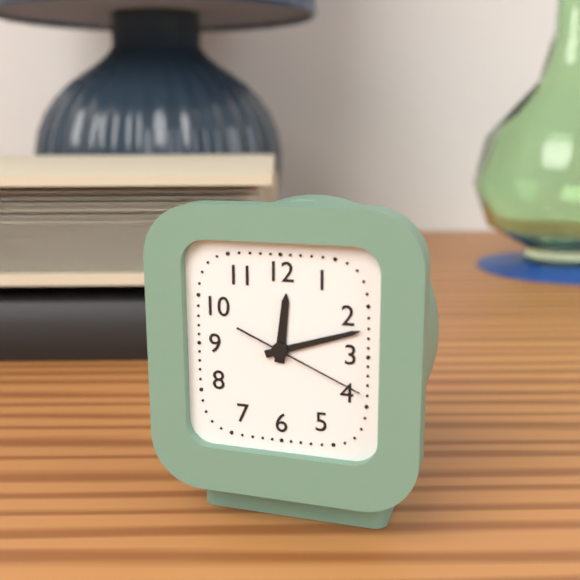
**12:12:19**
